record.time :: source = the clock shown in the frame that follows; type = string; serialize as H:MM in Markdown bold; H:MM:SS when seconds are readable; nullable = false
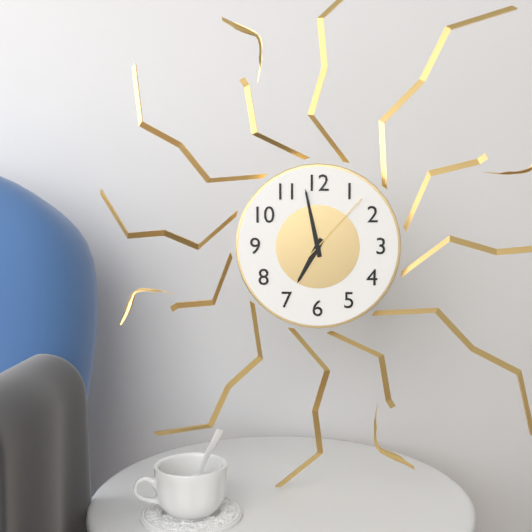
**6:58:07**
